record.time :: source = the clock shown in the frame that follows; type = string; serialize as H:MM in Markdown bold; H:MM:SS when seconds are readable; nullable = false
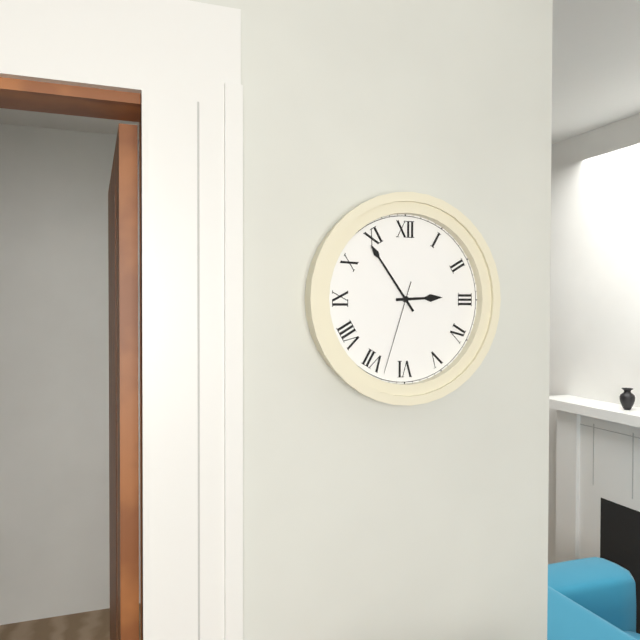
**2:54:33**
